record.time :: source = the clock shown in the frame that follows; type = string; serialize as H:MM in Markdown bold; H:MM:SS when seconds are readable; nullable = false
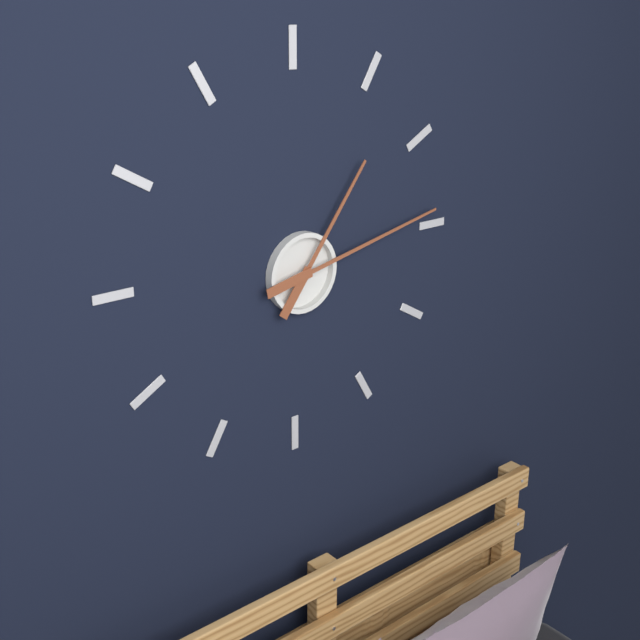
**1:13**
